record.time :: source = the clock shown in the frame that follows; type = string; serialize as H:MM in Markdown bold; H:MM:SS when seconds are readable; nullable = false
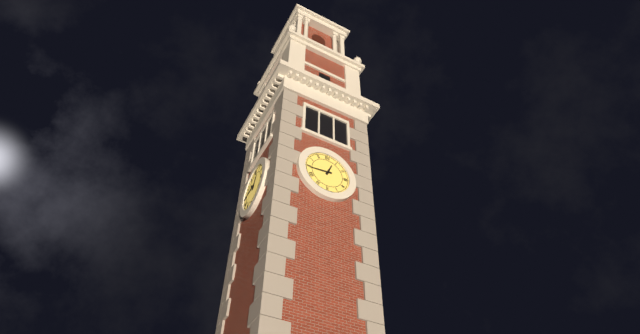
**12:44**
